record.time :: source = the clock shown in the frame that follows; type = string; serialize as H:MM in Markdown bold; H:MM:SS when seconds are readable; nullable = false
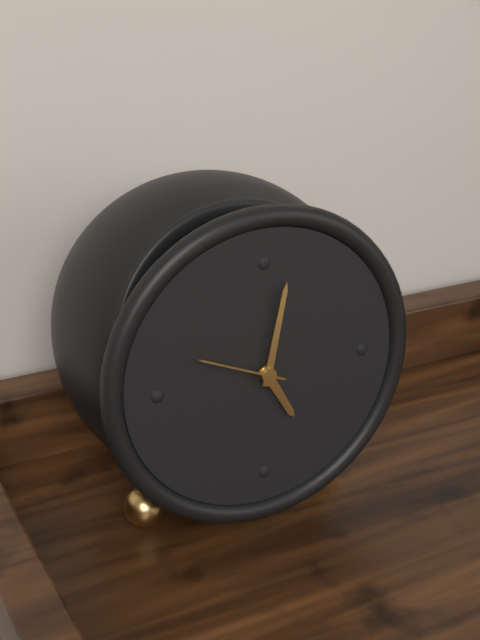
**5:02:49**
